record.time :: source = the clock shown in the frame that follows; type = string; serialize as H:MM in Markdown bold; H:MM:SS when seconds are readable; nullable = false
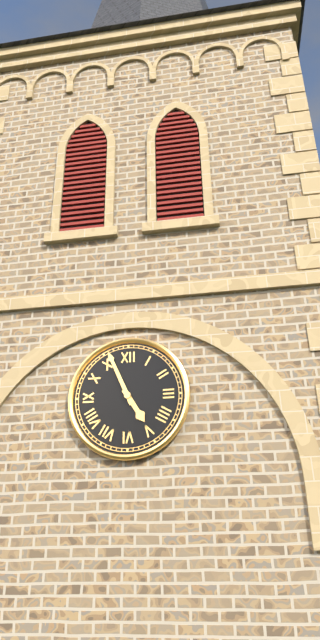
**4:56**
